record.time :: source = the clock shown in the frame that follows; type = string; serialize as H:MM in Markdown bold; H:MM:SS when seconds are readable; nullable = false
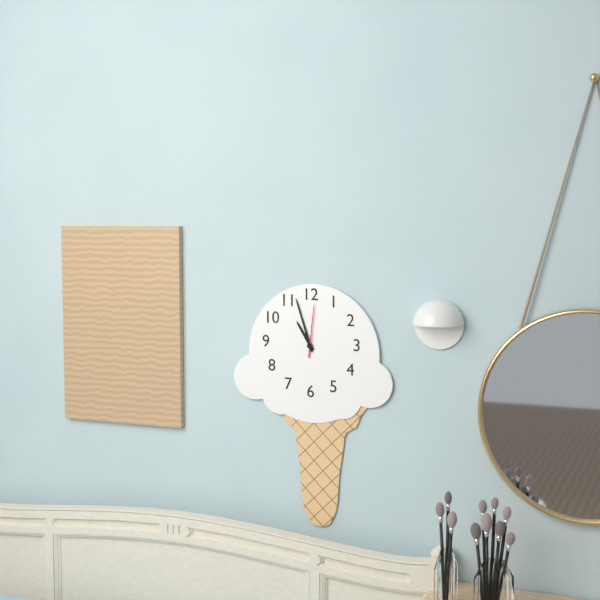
**10:57:01**
